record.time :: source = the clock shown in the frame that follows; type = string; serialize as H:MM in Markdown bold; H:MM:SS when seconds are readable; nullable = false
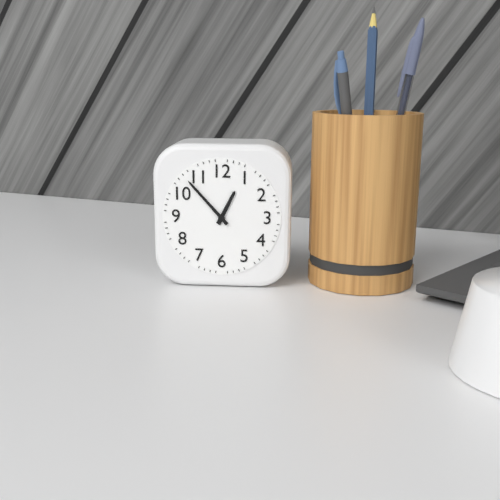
**12:53**
